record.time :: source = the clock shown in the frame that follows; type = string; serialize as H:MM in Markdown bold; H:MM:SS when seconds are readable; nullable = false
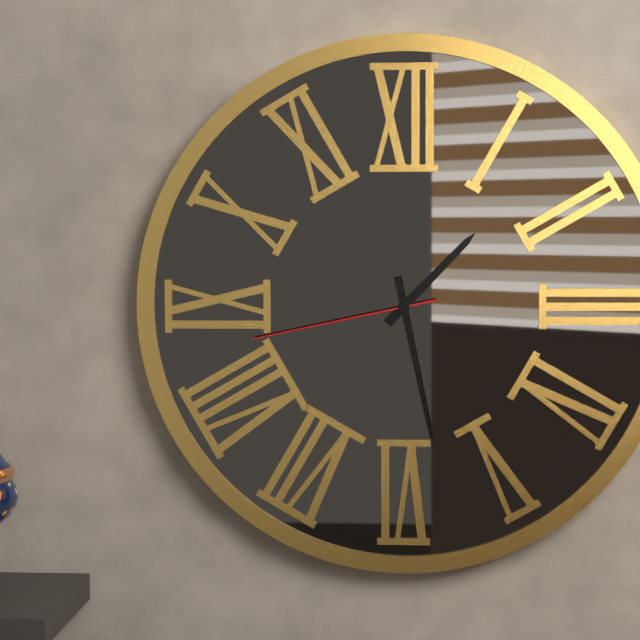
**1:28:43**
